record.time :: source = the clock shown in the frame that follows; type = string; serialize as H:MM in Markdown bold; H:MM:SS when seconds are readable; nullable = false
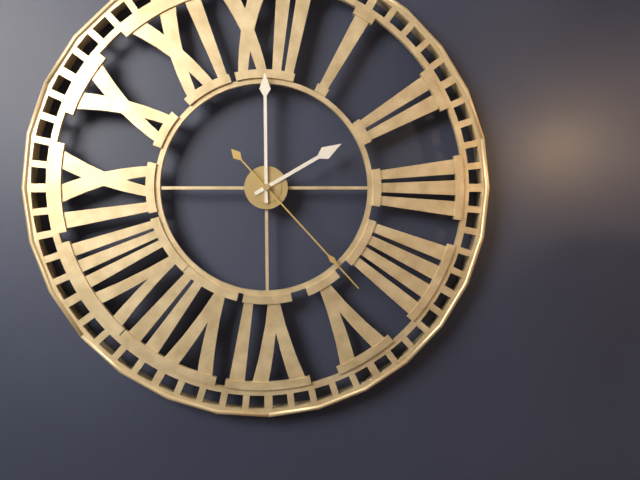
**2:00:23**
